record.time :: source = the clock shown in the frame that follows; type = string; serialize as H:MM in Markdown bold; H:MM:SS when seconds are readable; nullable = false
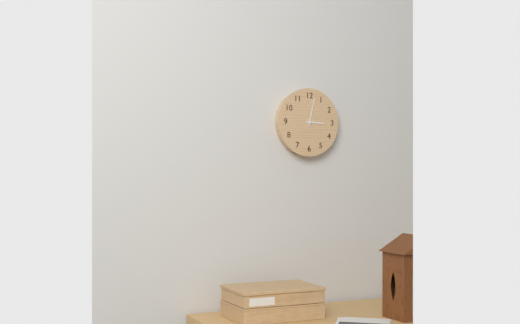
**3:02**
